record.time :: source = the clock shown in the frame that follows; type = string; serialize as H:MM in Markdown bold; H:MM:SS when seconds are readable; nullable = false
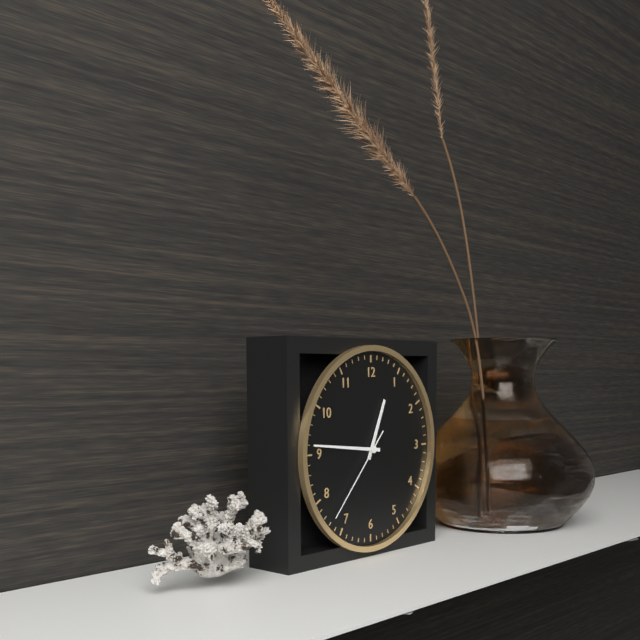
**12:46:37**
